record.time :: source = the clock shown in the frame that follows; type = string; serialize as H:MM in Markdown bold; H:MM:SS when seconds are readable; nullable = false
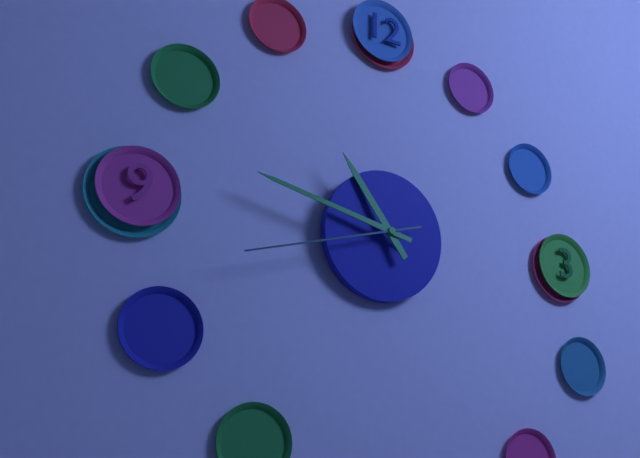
**10:47:42**
